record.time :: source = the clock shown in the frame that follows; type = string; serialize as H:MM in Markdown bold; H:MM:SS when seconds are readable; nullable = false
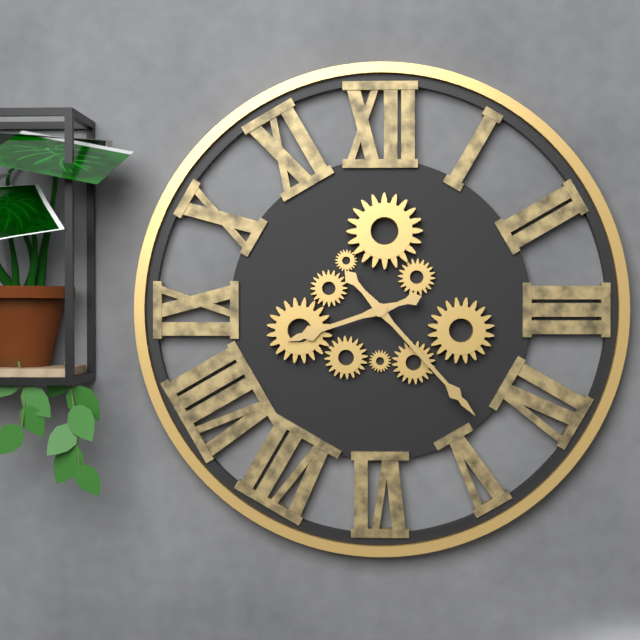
**8:23**
